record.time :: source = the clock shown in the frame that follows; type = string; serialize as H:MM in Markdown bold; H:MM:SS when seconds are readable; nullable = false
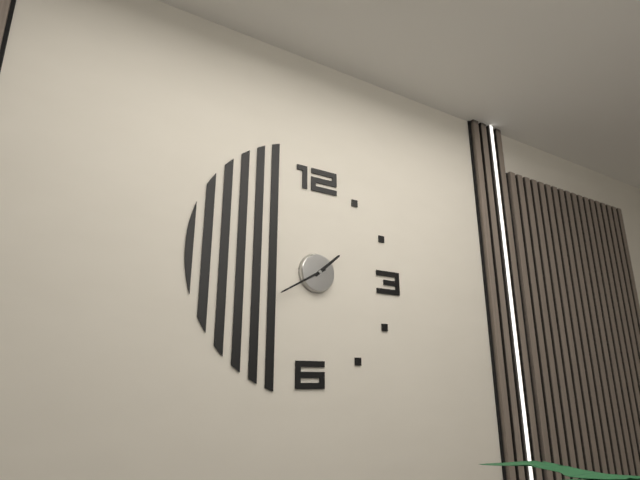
**1:40**
